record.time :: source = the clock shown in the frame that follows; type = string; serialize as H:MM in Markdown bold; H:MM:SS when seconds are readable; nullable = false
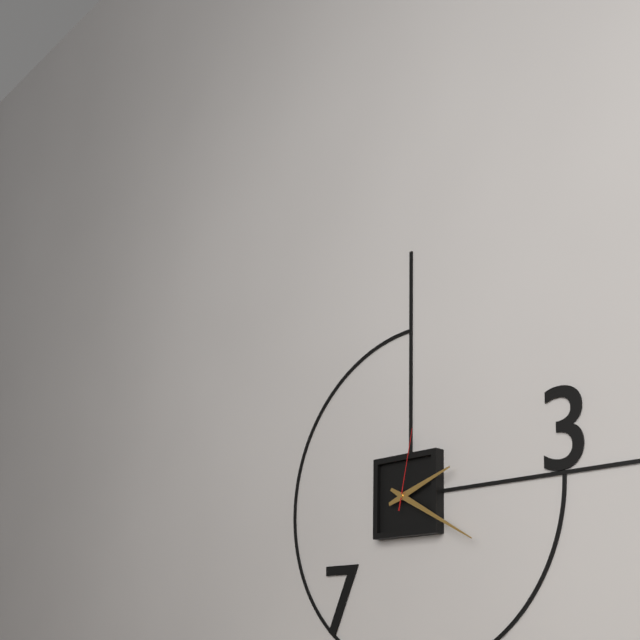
**2:20:02**
